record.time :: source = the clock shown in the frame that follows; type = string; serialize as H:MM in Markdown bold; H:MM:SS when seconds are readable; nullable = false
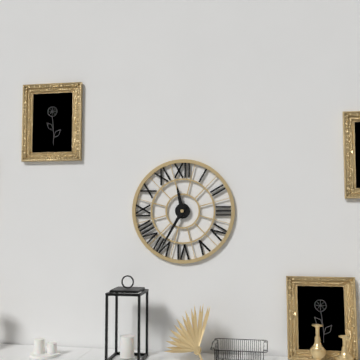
**11:35**
